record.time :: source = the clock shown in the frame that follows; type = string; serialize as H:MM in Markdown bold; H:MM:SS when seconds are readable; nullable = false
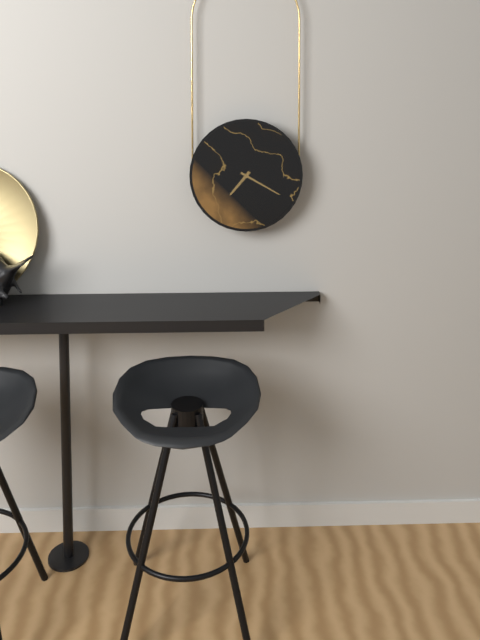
**7:20**
